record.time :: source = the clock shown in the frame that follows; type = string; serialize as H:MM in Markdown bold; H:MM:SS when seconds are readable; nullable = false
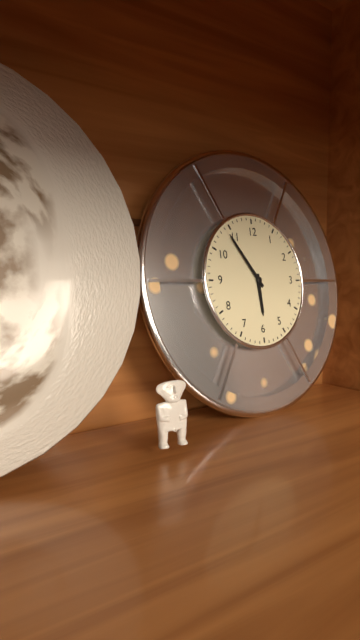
**5:54**
